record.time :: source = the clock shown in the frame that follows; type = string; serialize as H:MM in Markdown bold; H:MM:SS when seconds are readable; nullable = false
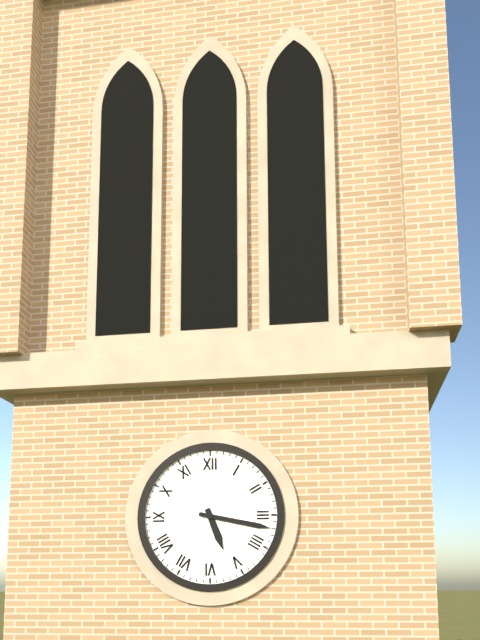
**5:17**
